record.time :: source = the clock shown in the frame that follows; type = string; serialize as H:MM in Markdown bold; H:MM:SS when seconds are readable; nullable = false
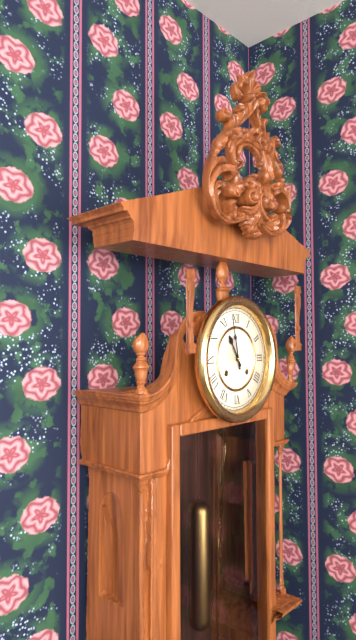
**10:58**
